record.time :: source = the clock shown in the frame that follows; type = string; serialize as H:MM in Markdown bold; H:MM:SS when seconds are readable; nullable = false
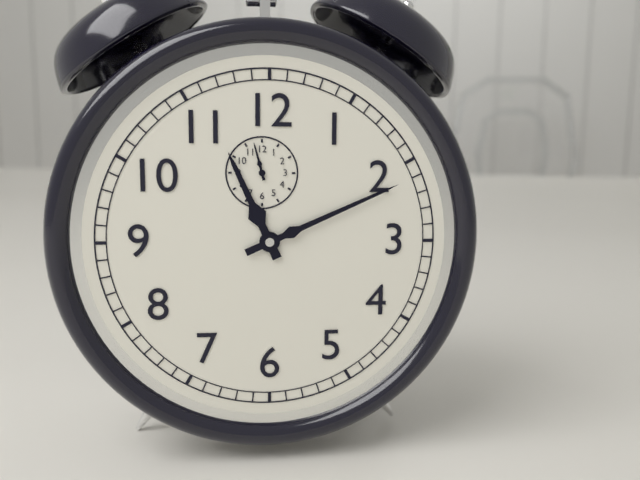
**11:11**
